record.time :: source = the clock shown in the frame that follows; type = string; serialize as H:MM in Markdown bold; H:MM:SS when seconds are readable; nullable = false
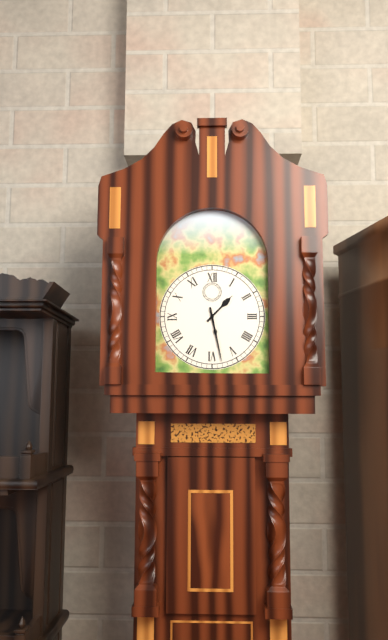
**1:28**
